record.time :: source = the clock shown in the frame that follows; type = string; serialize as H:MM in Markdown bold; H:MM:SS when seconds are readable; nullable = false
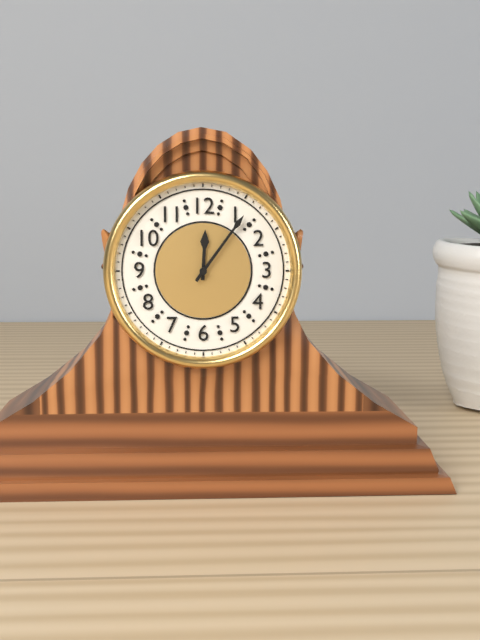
**12:06**
